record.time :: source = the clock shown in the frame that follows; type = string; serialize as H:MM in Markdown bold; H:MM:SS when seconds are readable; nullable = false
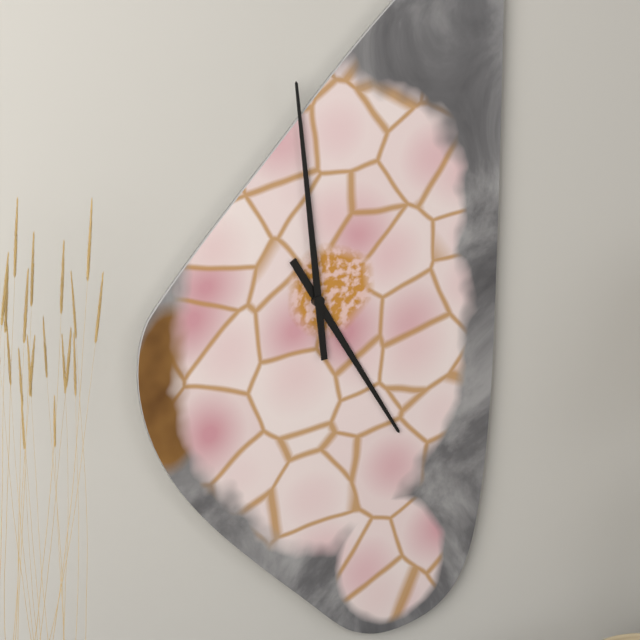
**4:59**
